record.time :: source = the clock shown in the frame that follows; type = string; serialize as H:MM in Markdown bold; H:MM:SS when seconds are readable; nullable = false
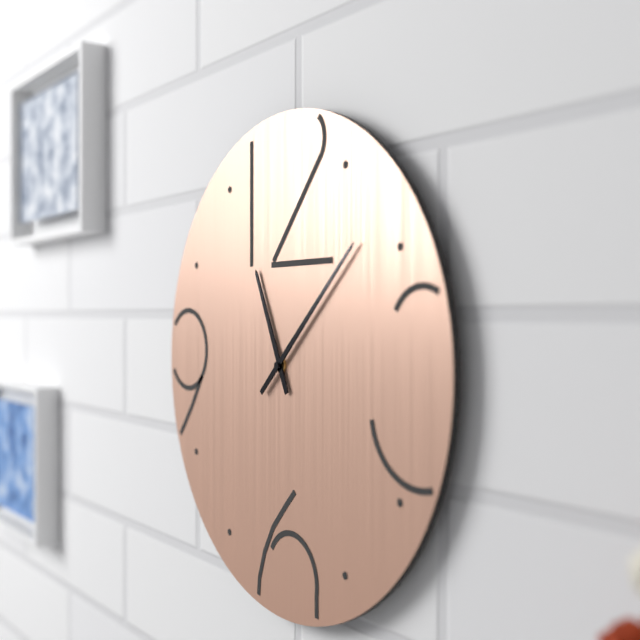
**11:08**
